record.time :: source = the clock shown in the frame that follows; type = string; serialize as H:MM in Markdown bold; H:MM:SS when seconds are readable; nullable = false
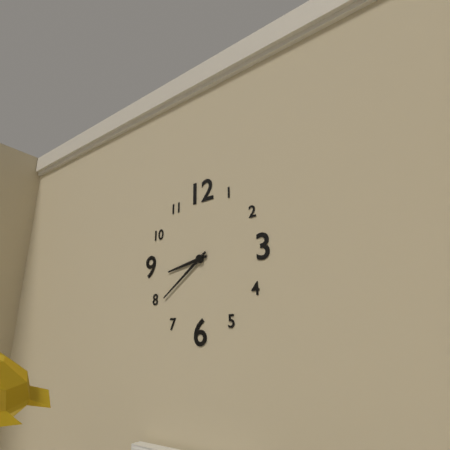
**8:39**
